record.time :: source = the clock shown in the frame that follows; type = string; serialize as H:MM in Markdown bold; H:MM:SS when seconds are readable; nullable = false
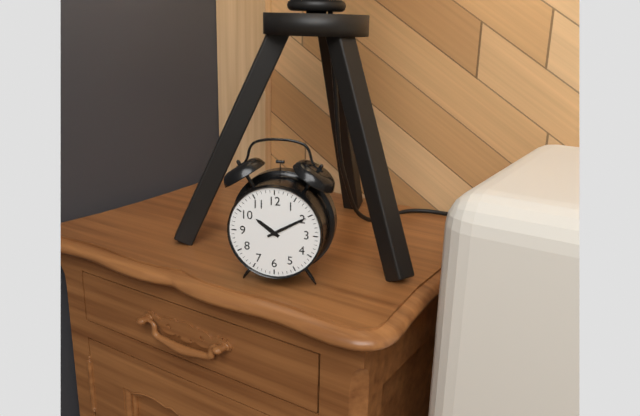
**10:10**
